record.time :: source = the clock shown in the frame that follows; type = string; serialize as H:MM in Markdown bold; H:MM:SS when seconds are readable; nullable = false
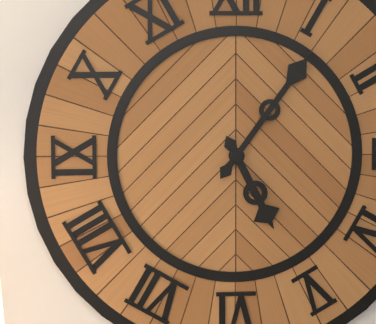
**5:06**
